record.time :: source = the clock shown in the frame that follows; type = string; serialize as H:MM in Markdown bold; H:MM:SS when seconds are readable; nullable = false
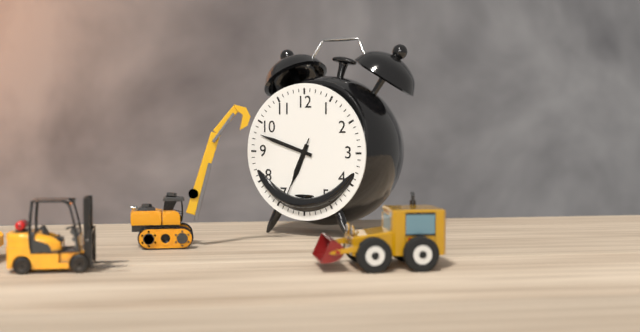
**6:48:34**
